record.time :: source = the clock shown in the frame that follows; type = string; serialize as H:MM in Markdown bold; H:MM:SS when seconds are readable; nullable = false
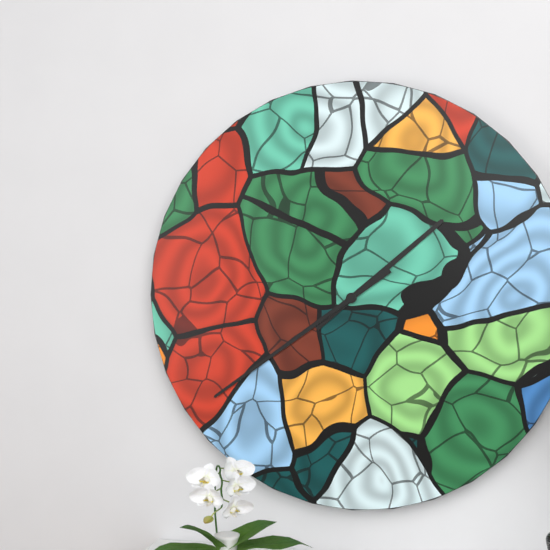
**1:39**
